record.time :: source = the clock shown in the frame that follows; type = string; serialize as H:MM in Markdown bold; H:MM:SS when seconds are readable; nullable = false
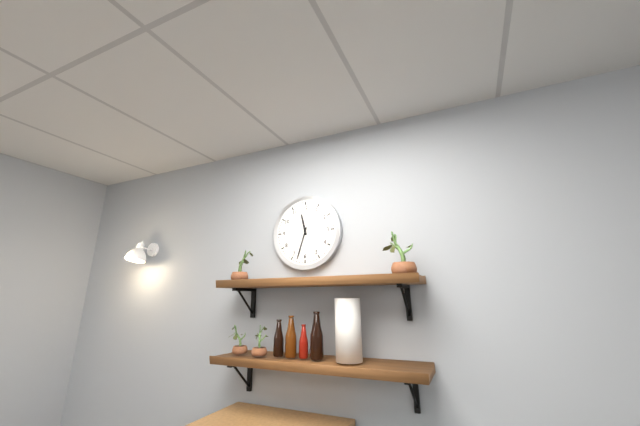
**11:33**
